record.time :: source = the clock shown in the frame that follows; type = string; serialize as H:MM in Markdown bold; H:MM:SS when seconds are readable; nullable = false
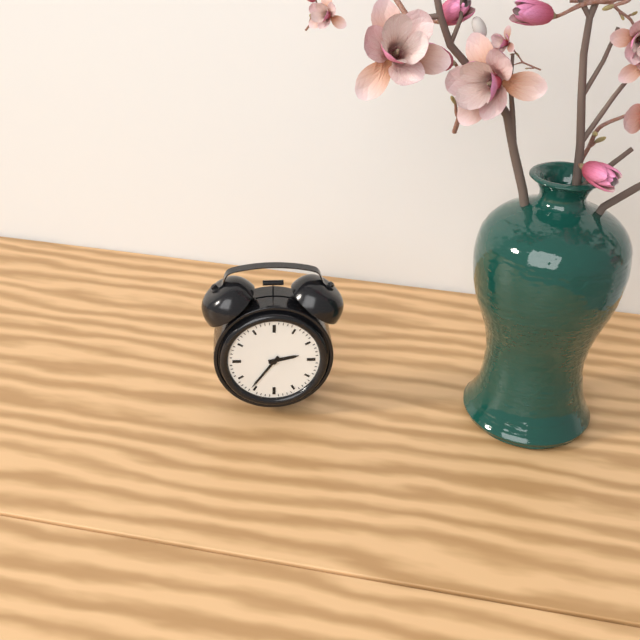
**2:36**
